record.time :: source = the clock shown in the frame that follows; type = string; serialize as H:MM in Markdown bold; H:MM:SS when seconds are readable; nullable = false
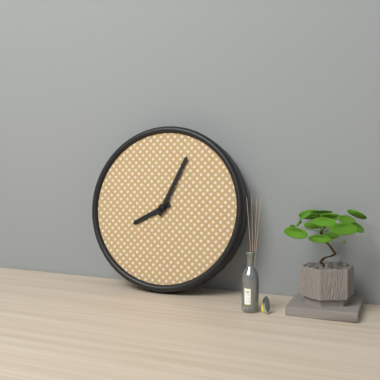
**8:04**
